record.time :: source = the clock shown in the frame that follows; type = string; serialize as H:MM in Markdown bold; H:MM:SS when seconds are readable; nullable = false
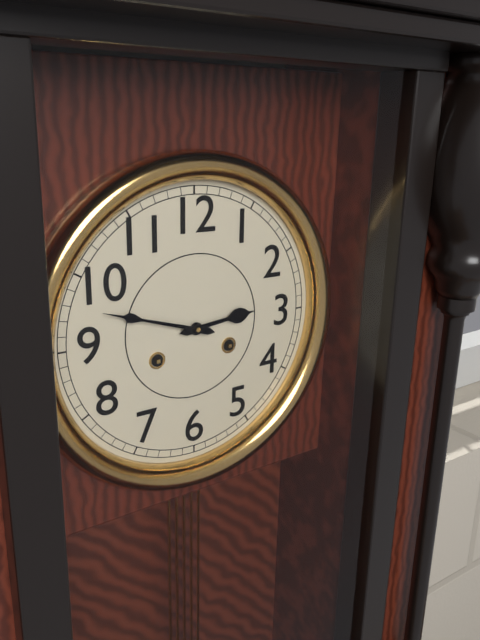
**2:48**
